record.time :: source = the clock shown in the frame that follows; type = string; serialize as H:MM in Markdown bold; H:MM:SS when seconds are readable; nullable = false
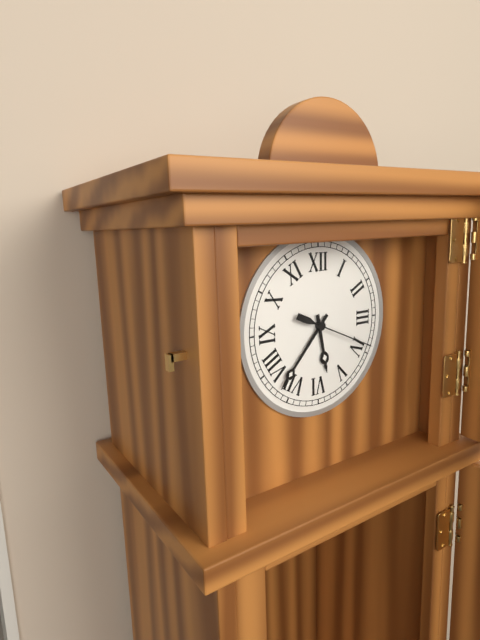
**5:37:19**
